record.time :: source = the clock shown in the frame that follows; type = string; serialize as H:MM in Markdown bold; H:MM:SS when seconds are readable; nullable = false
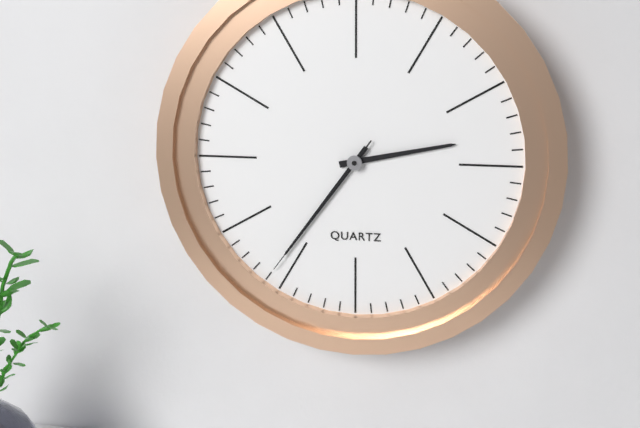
**2:36:36**
